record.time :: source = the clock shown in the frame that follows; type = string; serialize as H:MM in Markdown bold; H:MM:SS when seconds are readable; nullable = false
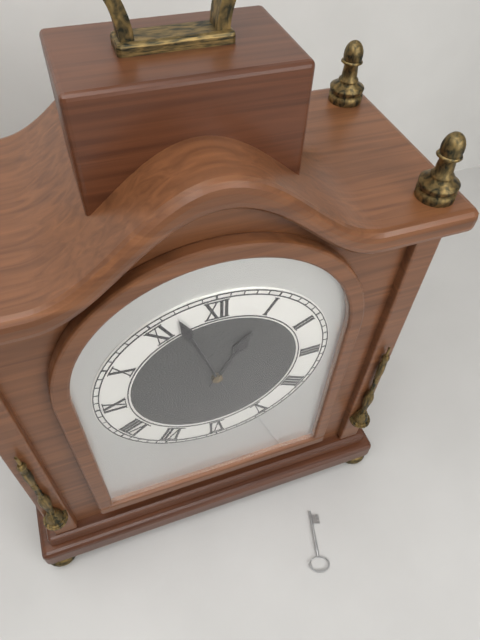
**12:57**
